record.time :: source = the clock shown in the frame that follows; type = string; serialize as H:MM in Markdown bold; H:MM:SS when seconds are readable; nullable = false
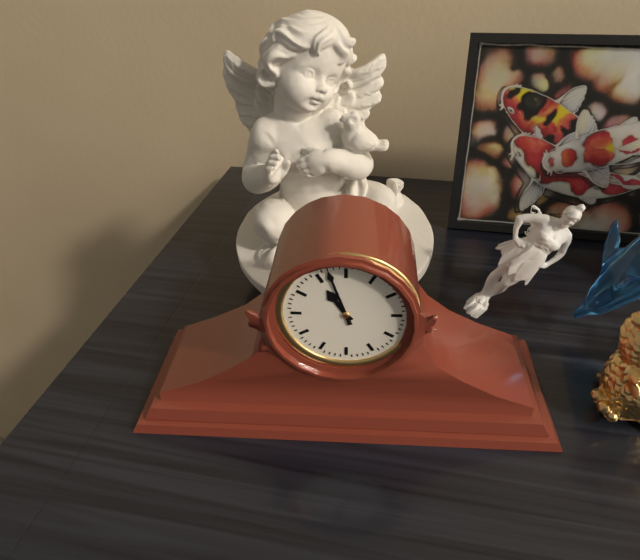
**10:57**
